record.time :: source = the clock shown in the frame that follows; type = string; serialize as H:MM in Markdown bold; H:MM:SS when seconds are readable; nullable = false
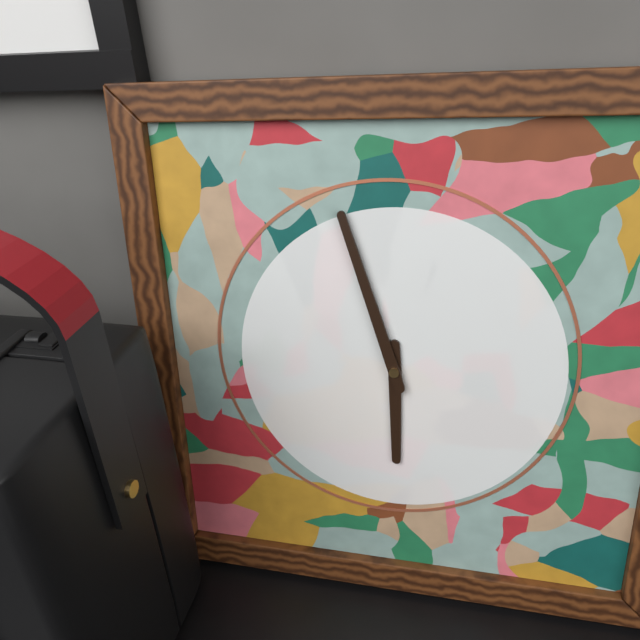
**5:57**
